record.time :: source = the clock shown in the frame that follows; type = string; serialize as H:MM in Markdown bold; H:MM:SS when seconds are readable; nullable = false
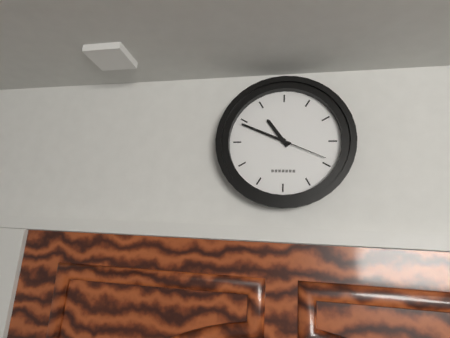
**10:49:19**
